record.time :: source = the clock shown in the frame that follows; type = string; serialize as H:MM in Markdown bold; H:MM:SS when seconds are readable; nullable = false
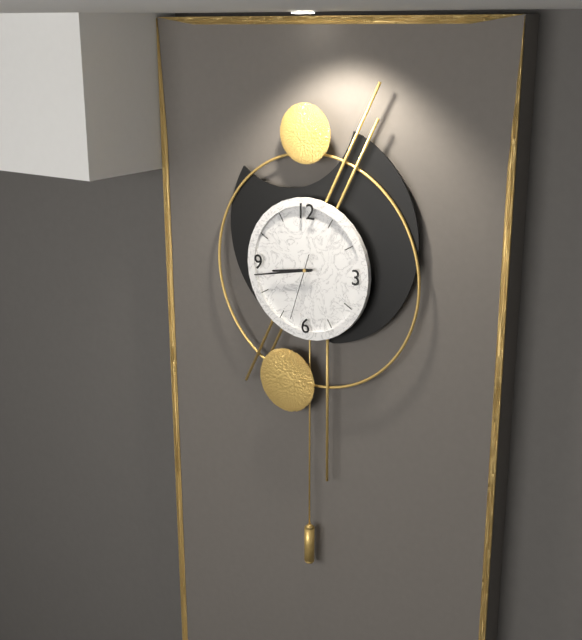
**8:43:33**
